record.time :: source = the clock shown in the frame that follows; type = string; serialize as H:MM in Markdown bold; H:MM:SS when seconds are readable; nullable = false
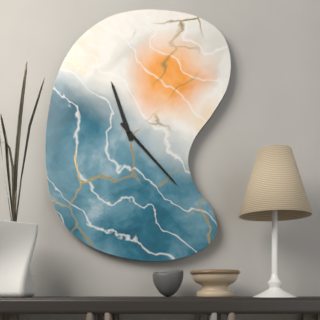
**11:23**
